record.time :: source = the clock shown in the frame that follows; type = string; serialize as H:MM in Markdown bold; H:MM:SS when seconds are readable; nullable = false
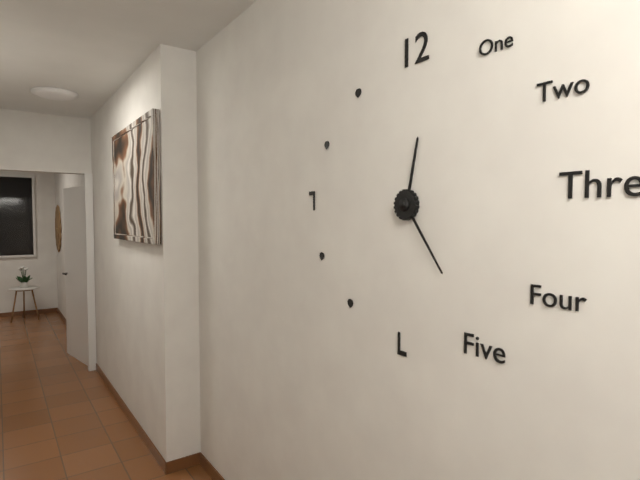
**12:24**
